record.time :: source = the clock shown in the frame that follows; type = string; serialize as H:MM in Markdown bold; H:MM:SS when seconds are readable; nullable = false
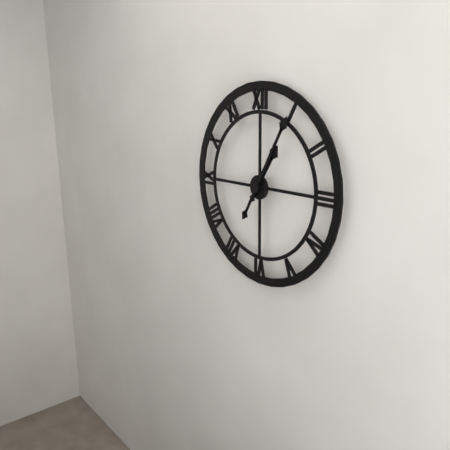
**1:05**
